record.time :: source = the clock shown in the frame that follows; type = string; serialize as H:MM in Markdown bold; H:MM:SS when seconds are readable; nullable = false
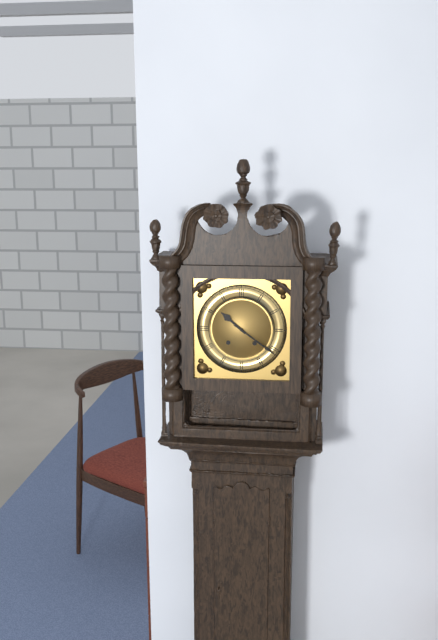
**10:21**
